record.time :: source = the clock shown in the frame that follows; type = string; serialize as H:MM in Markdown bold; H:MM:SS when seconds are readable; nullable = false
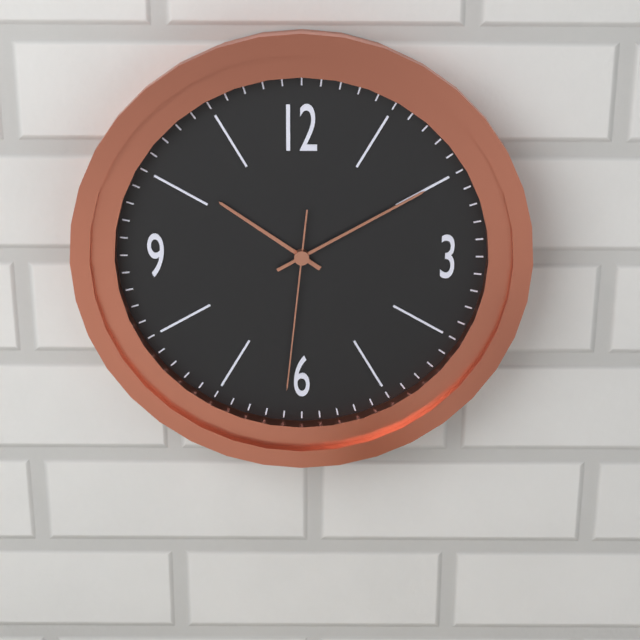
**10:10:31**
